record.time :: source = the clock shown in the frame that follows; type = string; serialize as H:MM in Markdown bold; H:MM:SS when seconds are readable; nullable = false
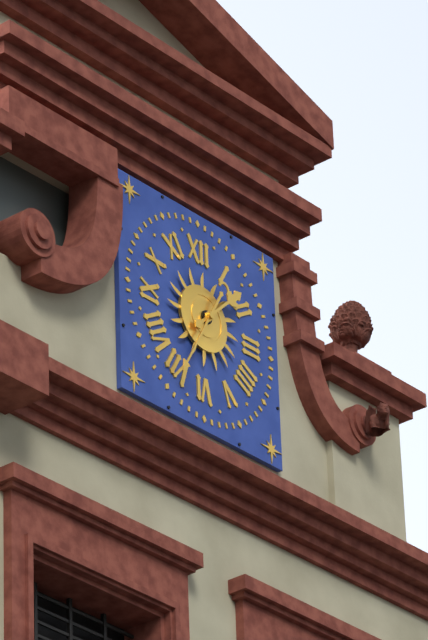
**1:35**
